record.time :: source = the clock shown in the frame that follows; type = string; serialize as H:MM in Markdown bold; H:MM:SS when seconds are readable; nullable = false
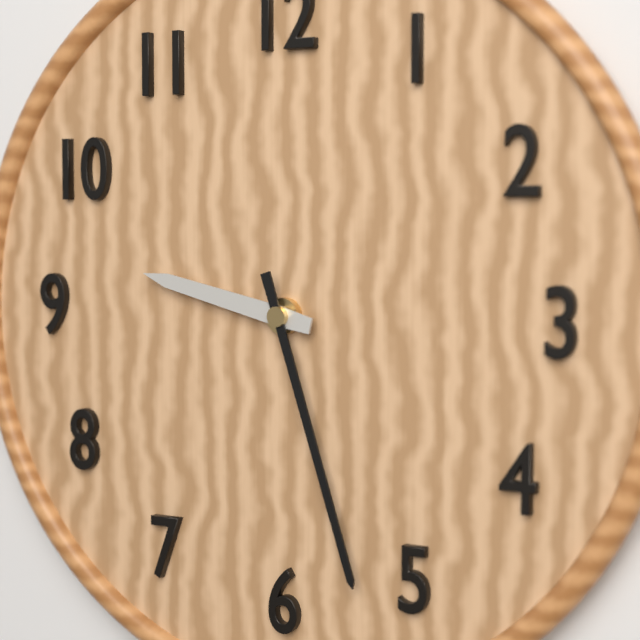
**9:27**
